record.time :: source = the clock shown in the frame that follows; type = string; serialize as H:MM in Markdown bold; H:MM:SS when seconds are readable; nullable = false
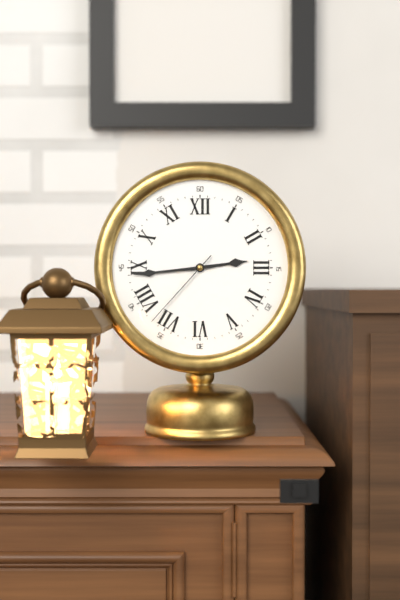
**2:44:37**
